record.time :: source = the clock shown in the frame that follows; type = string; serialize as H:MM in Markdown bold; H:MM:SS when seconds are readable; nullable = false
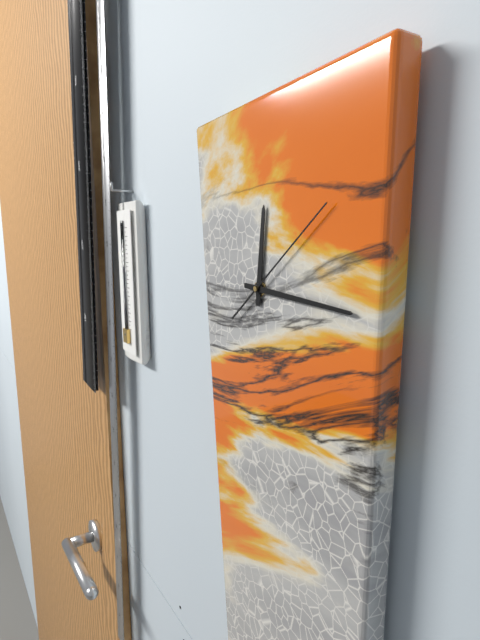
**12:16:09**
